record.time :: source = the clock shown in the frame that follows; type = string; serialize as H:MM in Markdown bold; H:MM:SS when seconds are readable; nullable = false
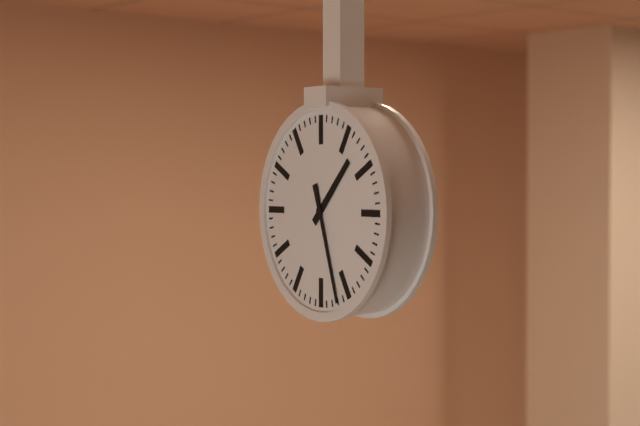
**1:27**
